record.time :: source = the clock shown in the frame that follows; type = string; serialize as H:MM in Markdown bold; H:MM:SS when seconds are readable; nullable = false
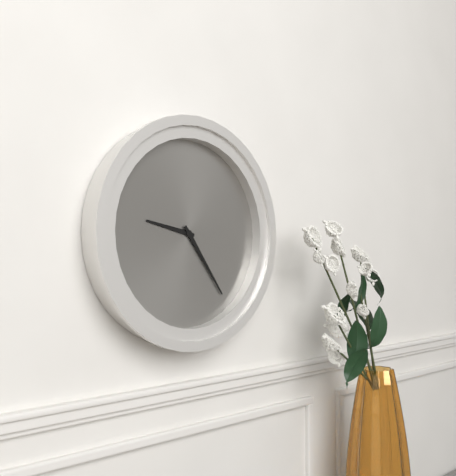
**9:24**
